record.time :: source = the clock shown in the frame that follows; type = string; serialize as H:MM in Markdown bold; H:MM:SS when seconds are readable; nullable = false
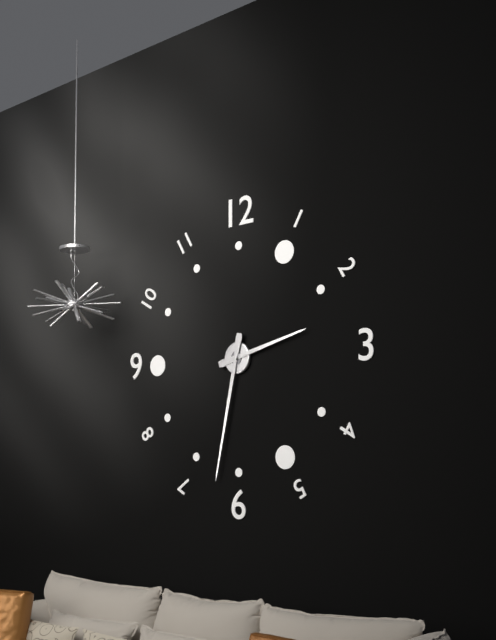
**2:32**
